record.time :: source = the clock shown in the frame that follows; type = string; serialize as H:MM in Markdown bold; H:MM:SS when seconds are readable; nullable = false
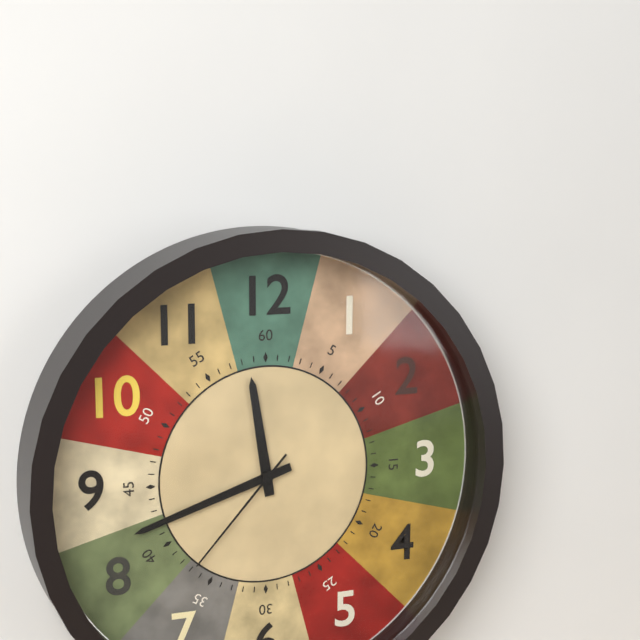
**11:42:37**
